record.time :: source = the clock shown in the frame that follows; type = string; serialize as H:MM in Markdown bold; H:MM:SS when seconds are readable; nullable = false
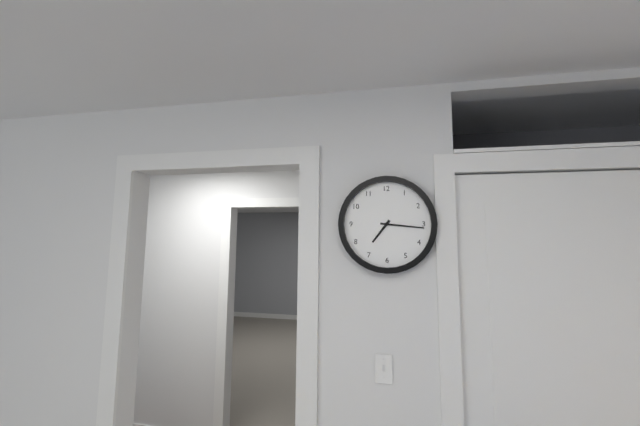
**7:16**
